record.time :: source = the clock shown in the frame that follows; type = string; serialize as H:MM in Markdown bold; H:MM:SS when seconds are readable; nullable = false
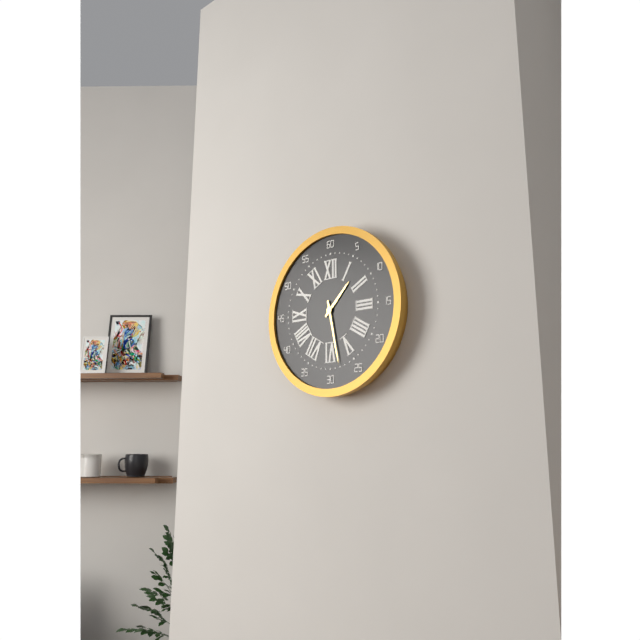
**1:28**
